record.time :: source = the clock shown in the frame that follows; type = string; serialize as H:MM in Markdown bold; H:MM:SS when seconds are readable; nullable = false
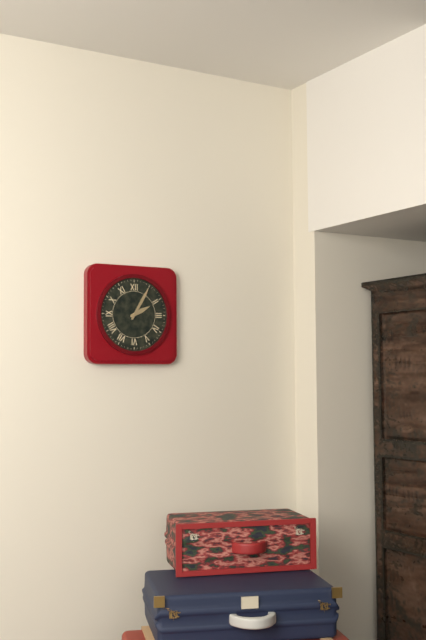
**2:05**
